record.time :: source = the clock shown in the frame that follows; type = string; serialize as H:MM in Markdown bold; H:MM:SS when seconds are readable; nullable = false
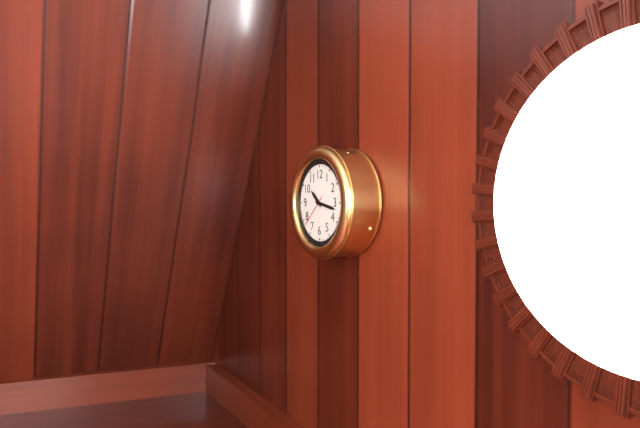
**10:17**
